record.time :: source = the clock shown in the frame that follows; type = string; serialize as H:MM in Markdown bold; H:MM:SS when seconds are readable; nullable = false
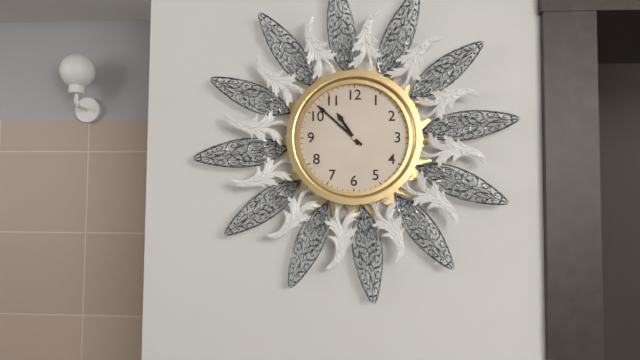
**10:52**
